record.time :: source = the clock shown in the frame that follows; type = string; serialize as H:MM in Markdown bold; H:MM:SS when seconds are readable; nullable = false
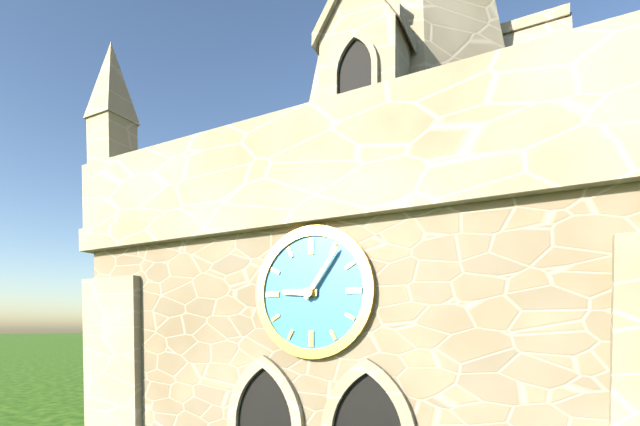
**9:06**
